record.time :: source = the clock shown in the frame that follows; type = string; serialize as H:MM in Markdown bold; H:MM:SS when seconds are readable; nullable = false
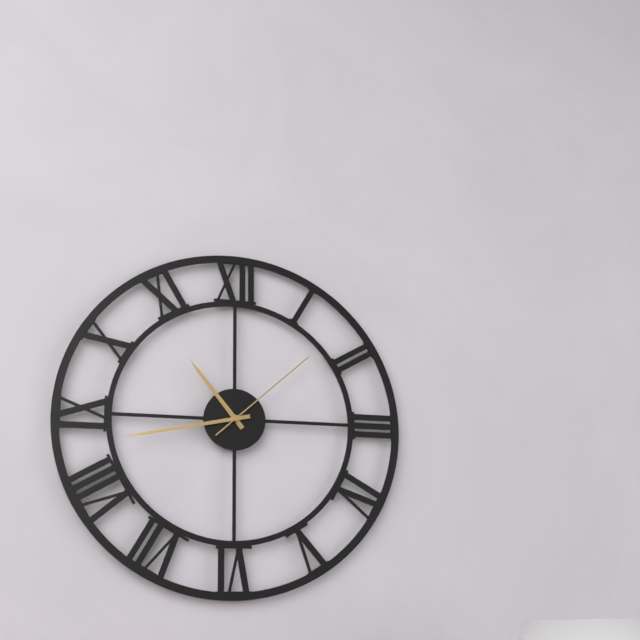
**10:43:08**
